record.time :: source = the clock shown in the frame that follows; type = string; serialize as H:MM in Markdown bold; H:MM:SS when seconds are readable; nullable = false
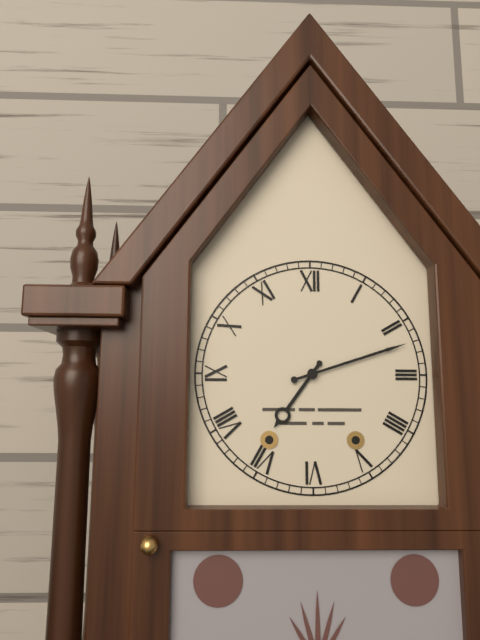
**7:12**
